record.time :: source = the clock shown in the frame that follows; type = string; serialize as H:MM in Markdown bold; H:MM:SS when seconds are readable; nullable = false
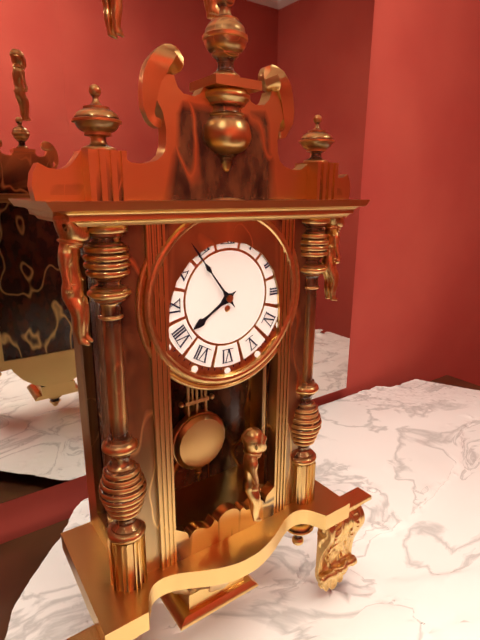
**7:54**
